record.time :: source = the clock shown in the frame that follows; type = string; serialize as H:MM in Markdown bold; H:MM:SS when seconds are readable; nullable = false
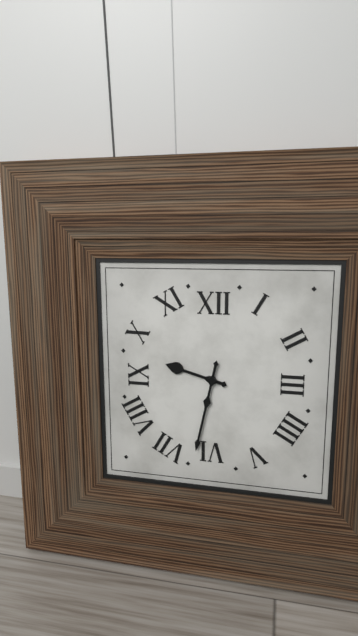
**9:32**
